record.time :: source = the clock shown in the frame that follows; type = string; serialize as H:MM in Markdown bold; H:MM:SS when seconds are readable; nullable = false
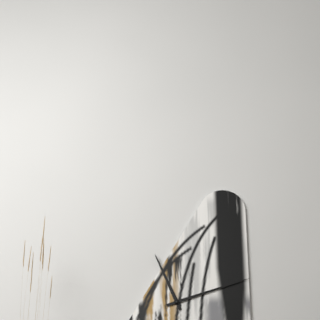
**11:12**
